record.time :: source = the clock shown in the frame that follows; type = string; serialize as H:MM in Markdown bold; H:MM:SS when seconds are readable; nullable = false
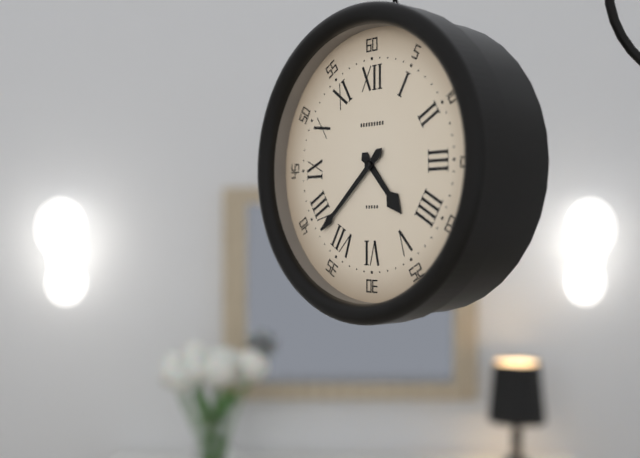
**4:38**
